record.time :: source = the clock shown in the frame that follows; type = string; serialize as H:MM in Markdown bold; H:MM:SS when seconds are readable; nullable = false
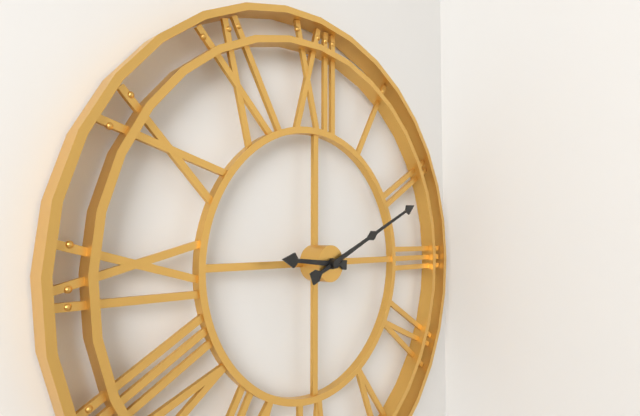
**9:11**
